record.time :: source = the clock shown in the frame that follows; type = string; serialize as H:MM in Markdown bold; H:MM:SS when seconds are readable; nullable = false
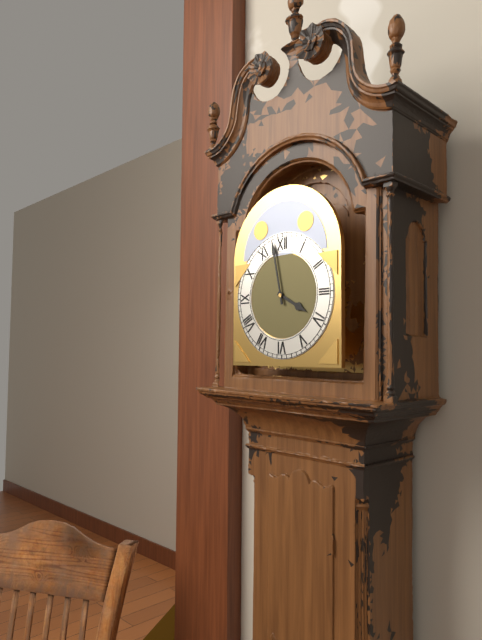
**3:58**
